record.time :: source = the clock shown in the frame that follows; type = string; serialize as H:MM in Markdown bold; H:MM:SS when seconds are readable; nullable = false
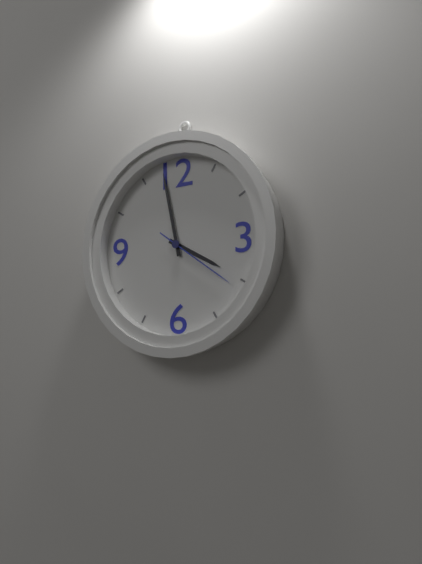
**3:58:21**
